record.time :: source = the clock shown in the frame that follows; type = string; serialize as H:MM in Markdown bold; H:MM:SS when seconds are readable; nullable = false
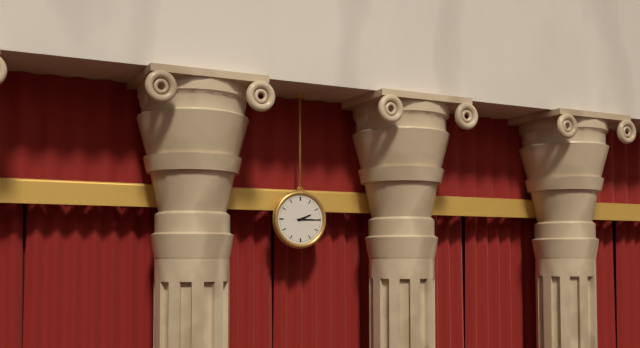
**2:15**
